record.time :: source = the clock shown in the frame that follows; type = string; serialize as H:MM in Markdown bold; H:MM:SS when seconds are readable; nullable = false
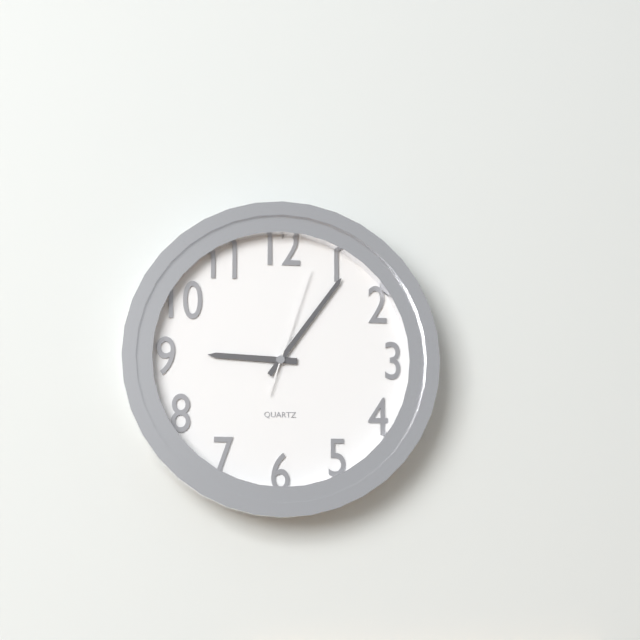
**9:06:03**
